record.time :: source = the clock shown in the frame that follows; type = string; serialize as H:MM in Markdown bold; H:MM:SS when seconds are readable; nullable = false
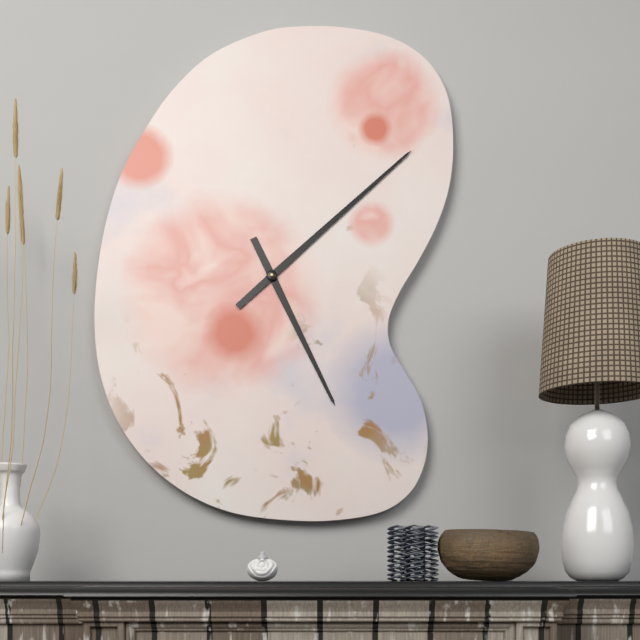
**5:08**
